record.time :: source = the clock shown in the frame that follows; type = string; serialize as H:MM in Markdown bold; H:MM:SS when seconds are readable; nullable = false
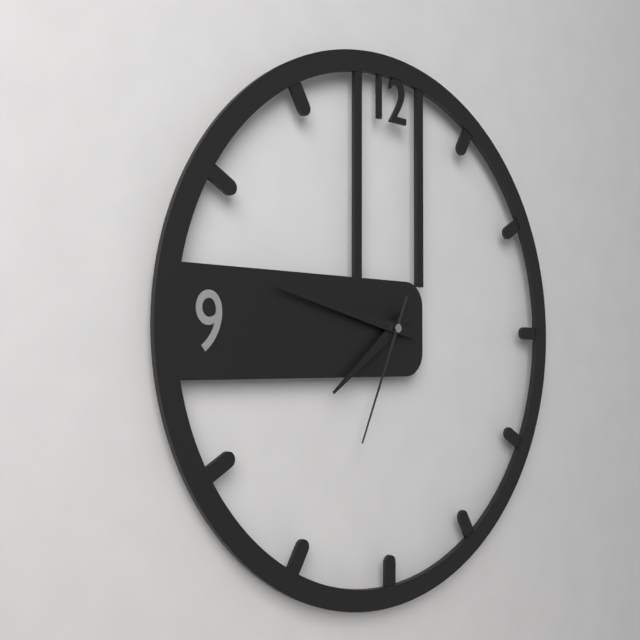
**7:47:34**
